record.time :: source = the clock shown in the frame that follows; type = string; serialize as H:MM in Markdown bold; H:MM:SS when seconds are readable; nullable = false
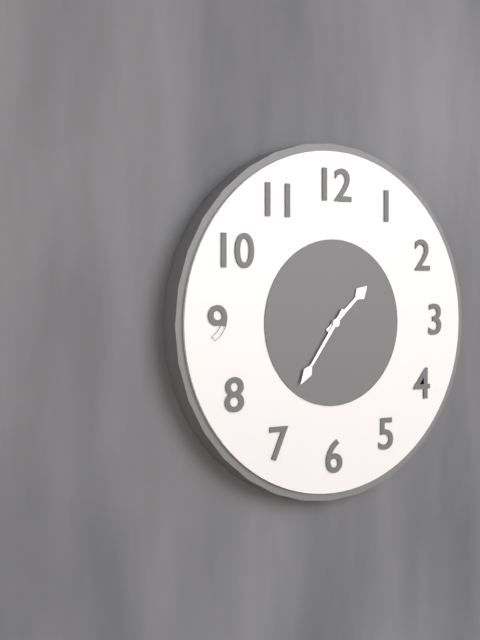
**1:36**
